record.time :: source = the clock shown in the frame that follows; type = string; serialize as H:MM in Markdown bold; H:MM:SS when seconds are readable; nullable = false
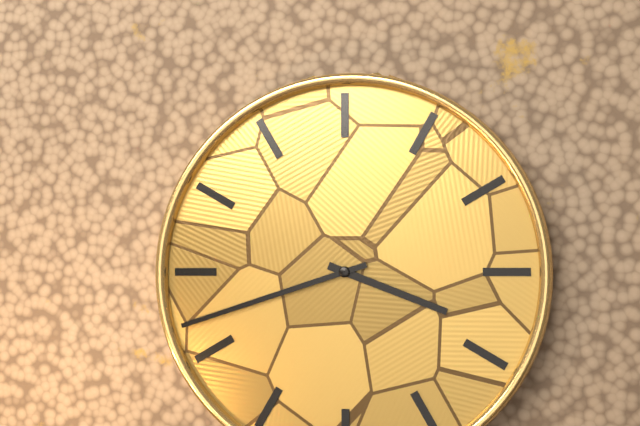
**3:42**
